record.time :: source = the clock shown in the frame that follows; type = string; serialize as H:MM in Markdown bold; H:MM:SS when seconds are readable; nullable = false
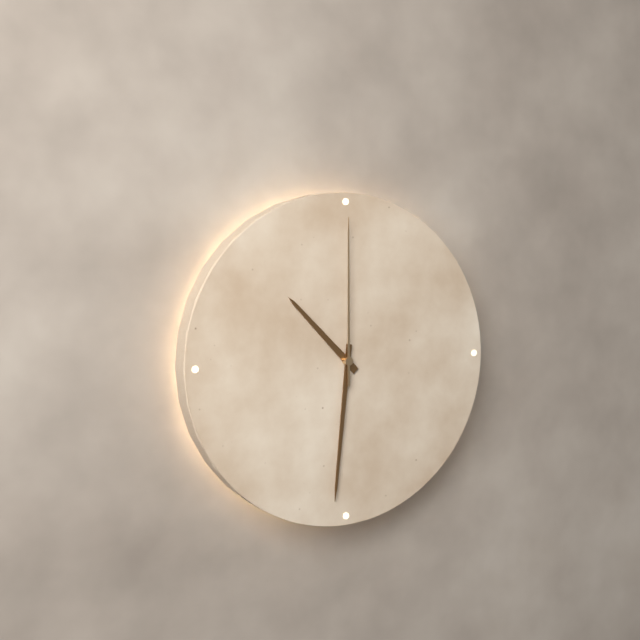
**10:31:00**
